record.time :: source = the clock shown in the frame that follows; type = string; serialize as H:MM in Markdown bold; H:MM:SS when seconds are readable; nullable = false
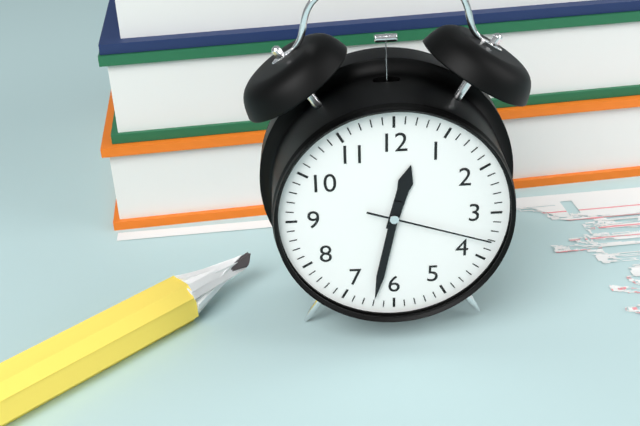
**12:32:18**
